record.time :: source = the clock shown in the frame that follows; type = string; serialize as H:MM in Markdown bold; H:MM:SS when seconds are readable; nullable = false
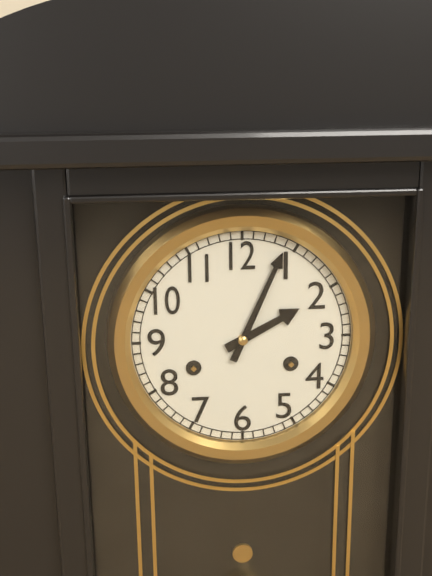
**2:04**
